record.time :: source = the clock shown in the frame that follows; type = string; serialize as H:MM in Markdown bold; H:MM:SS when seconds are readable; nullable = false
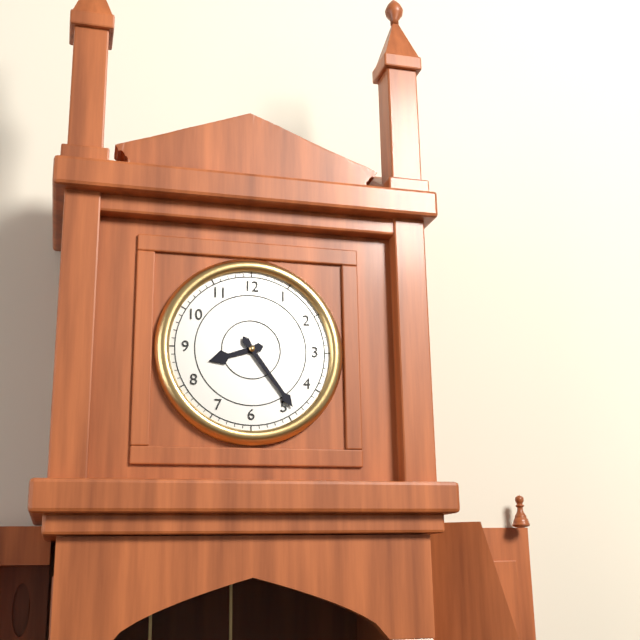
**8:24**
